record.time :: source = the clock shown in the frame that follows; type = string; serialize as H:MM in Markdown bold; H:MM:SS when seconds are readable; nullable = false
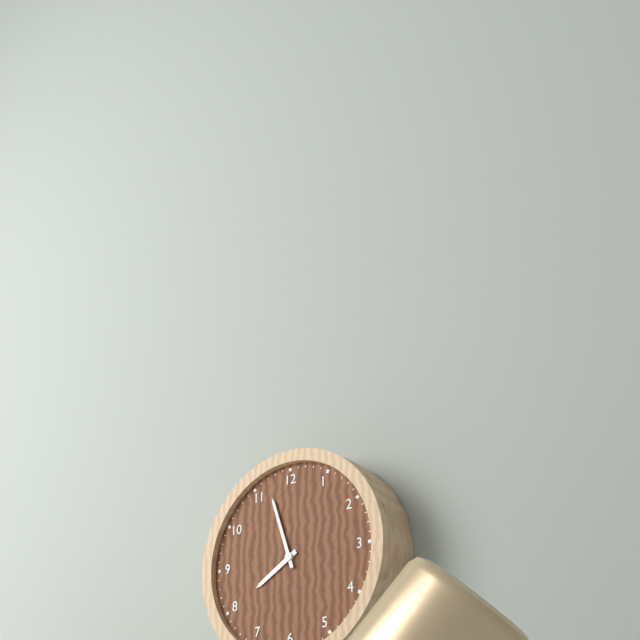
**7:57**
